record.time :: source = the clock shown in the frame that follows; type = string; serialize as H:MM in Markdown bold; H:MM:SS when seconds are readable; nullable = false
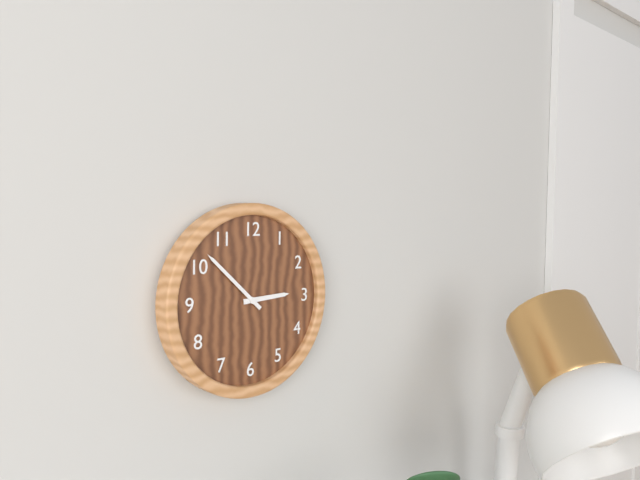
**2:52**
